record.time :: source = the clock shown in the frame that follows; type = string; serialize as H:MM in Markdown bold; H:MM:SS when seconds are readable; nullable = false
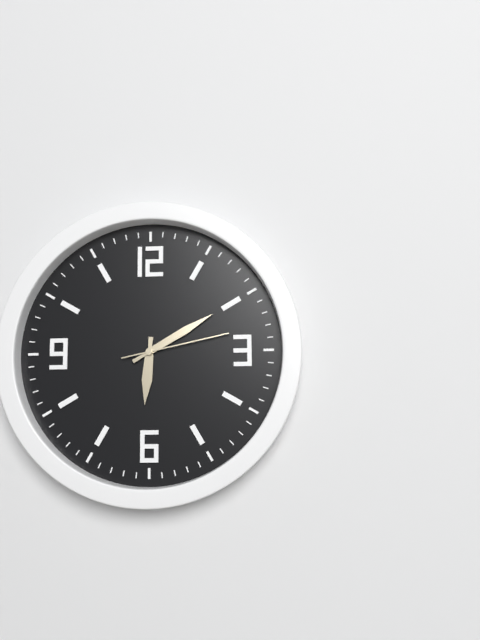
**6:10:13**
